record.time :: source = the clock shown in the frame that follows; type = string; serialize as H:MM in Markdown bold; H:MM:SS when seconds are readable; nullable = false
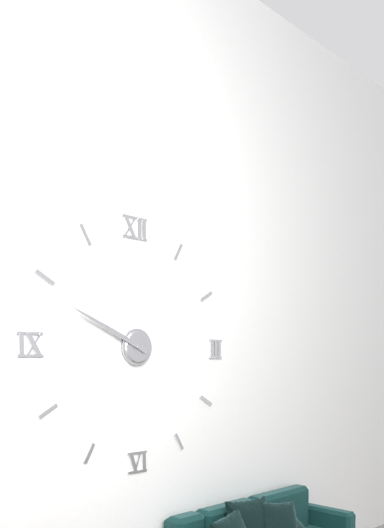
**9:49**
